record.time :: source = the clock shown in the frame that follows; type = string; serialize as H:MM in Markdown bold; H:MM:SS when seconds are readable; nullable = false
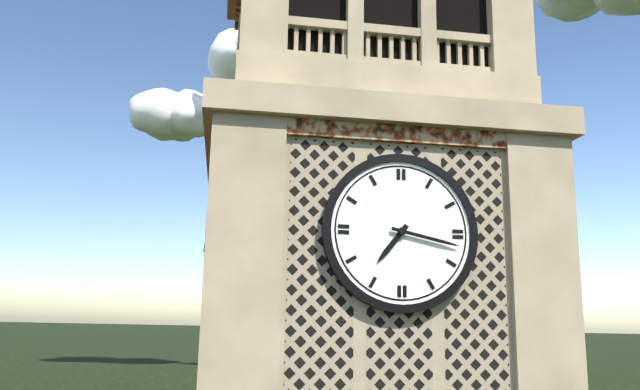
**7:17**
